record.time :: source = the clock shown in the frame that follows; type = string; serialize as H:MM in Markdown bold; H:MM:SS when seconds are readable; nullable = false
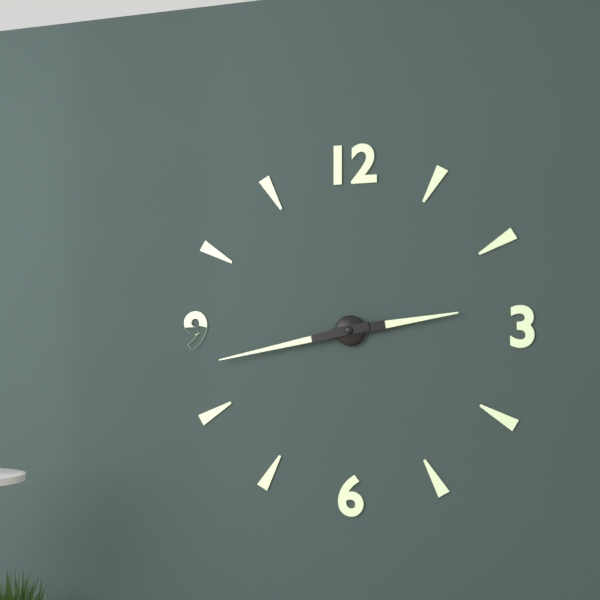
**2:43**
